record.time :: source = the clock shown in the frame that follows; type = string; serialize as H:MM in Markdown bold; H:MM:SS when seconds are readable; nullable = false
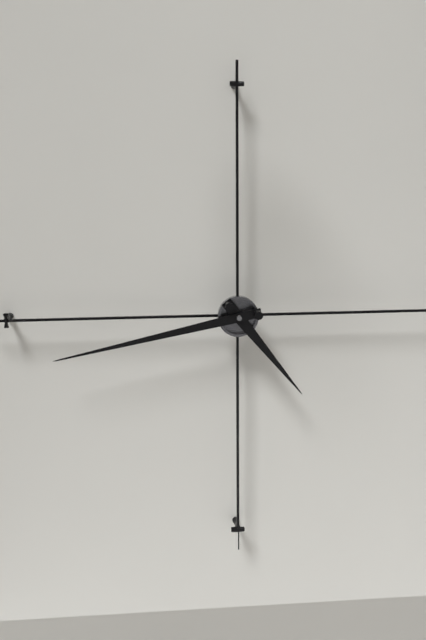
**4:43**
